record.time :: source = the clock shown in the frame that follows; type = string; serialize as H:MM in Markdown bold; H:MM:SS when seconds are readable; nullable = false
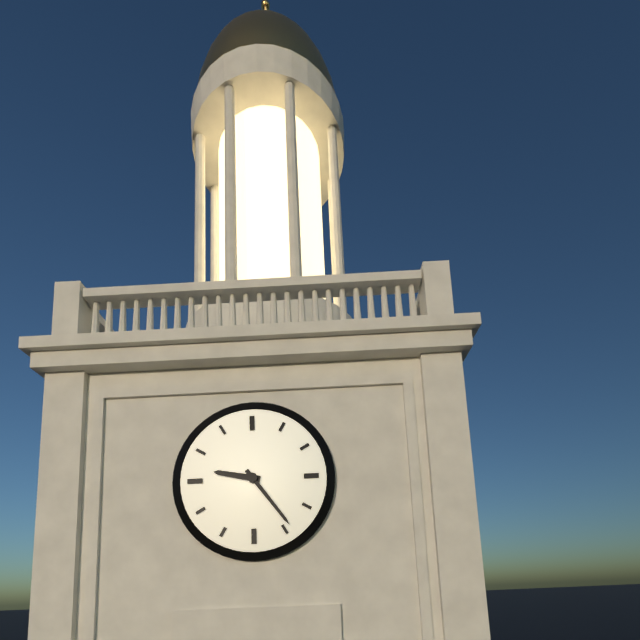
**9:24**
